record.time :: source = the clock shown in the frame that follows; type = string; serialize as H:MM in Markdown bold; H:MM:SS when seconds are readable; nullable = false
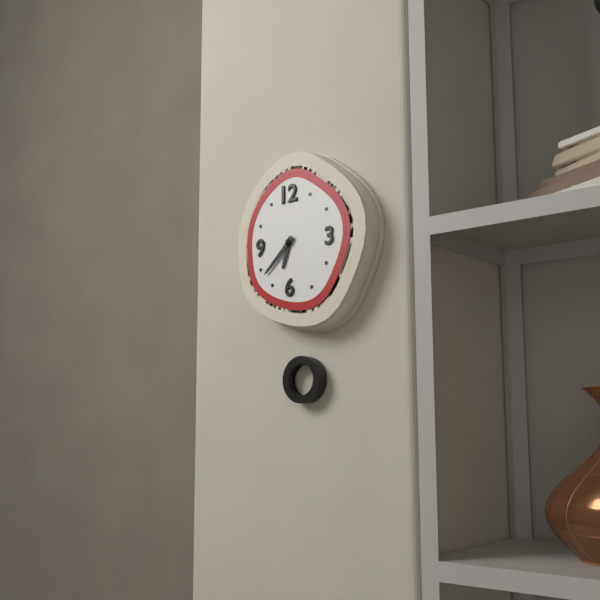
**6:38**
